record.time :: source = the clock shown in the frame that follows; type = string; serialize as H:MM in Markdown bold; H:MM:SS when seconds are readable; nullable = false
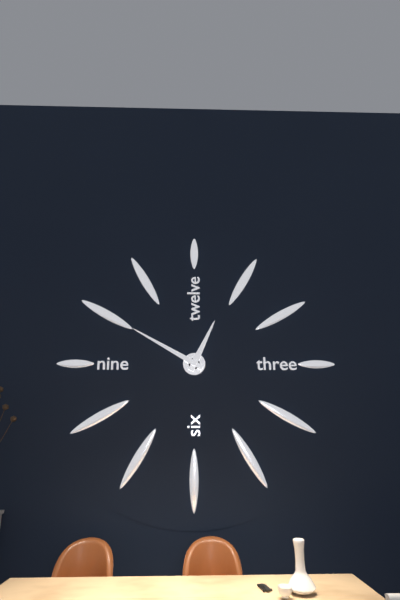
**12:50**
